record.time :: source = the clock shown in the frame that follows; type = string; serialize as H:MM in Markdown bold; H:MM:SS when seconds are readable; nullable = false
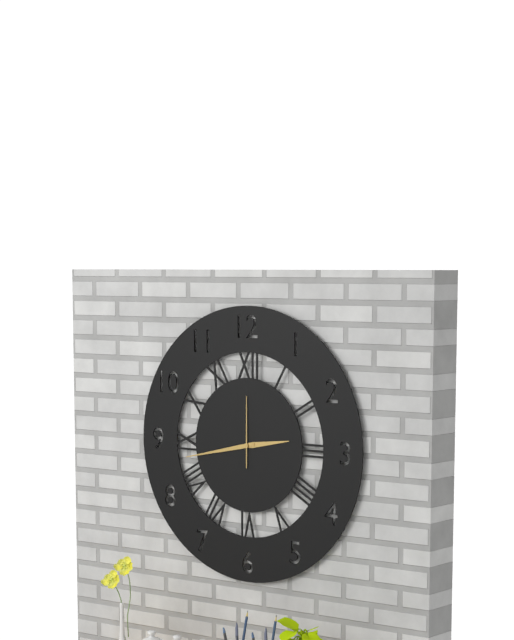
**2:43:00**
